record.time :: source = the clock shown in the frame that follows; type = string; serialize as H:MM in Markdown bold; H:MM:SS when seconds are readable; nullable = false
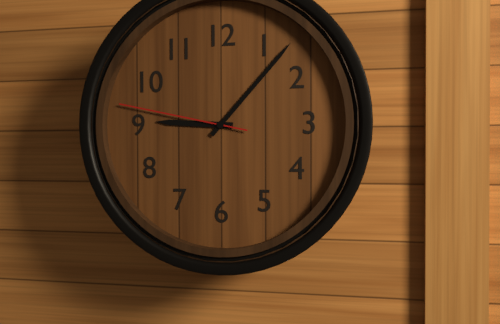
**9:07:47**
